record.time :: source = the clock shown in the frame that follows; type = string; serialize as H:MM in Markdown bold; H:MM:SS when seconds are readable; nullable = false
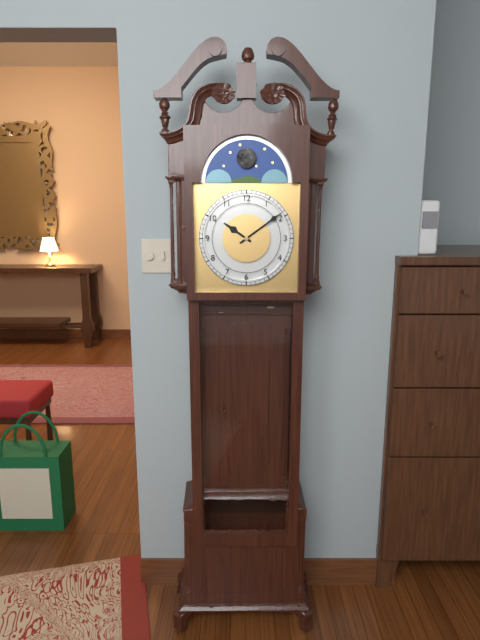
**10:09**
